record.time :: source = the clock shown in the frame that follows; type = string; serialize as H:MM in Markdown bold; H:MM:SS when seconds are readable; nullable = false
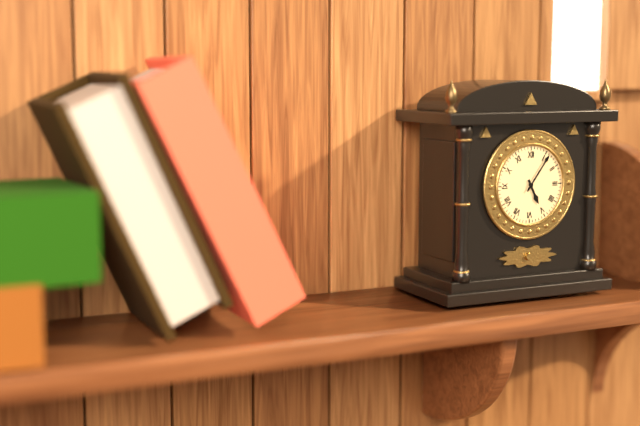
**5:06**
